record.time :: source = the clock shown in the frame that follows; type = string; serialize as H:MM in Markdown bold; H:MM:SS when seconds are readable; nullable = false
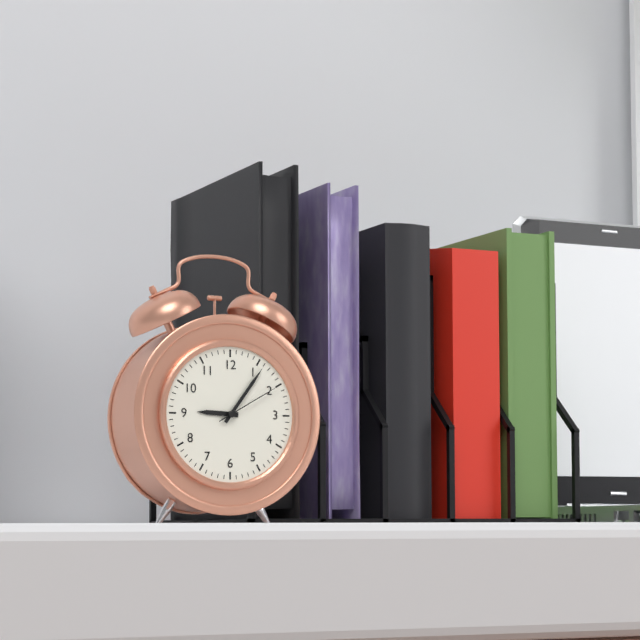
**9:06:10**
